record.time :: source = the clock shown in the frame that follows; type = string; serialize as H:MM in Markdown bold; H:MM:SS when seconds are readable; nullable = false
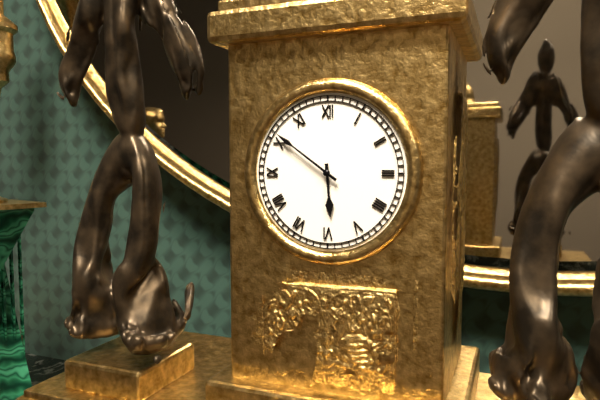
**5:51**
